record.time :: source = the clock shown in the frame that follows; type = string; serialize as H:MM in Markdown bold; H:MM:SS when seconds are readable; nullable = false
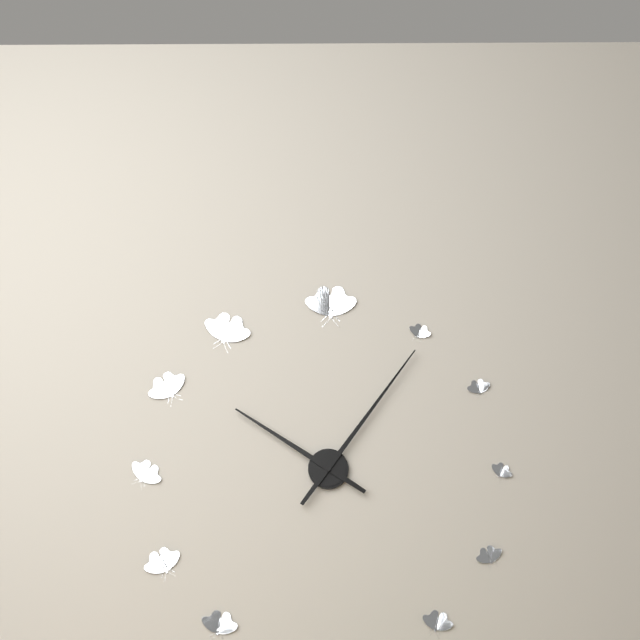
**10:06**
